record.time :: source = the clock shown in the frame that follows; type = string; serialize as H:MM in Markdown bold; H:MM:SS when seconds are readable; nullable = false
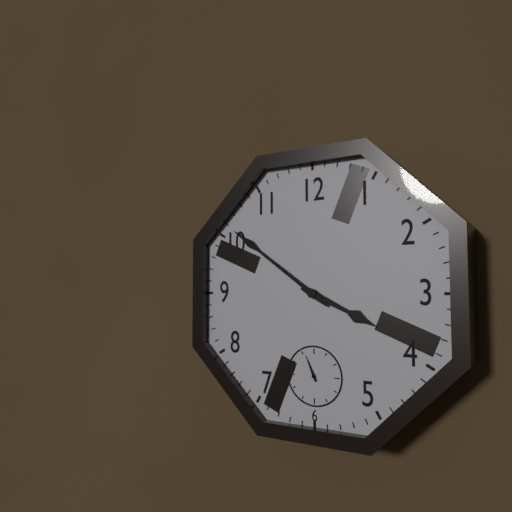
**3:51**
